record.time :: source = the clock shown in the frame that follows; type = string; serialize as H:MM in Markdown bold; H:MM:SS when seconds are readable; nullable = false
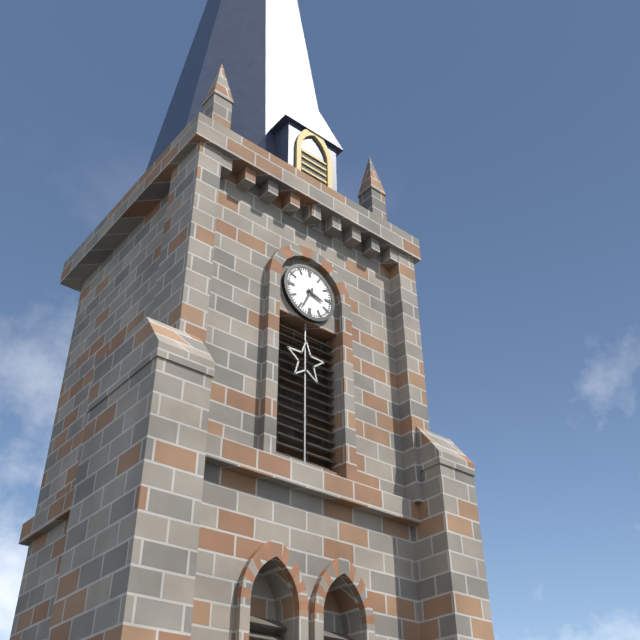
**3:34**
